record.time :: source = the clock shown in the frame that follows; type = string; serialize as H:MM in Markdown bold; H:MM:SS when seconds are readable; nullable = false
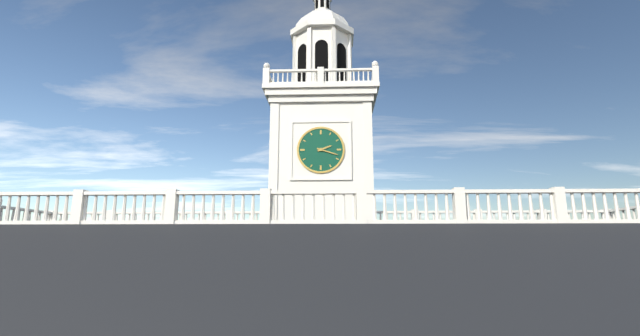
**2:18**
